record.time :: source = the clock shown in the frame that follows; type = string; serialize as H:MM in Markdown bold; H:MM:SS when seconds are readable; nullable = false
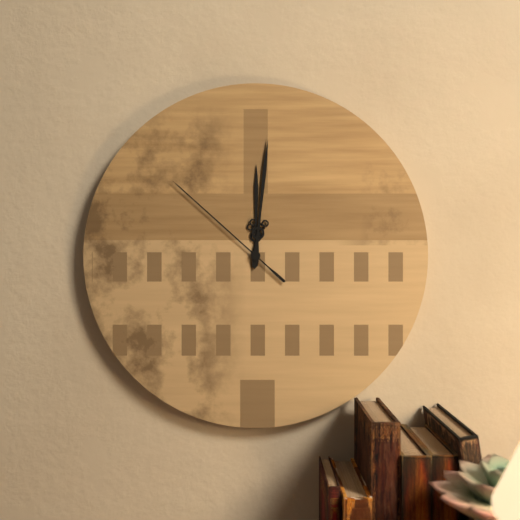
**12:01:52**
